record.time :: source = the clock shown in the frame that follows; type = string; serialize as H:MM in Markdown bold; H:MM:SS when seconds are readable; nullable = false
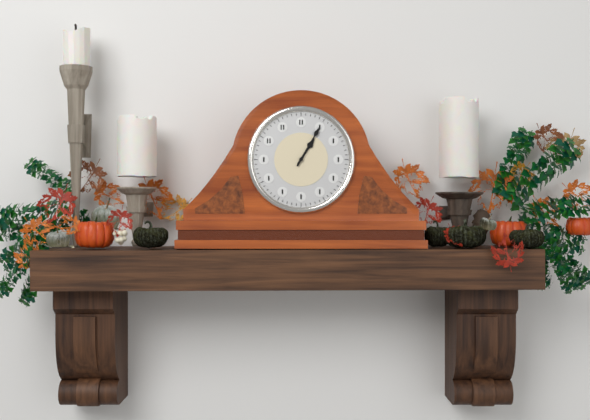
**1:05**
